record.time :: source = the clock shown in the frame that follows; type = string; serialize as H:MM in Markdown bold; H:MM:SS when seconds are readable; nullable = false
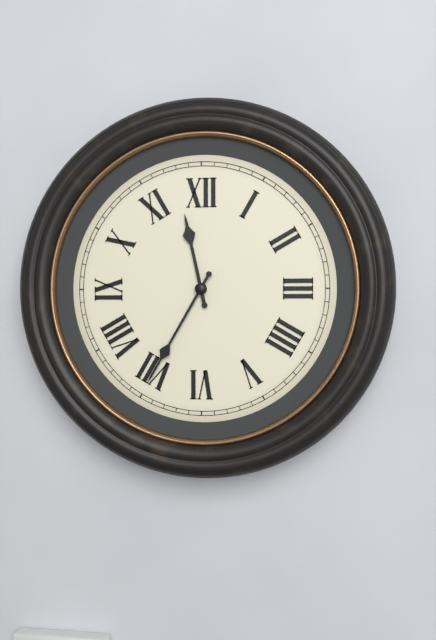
**11:35**
